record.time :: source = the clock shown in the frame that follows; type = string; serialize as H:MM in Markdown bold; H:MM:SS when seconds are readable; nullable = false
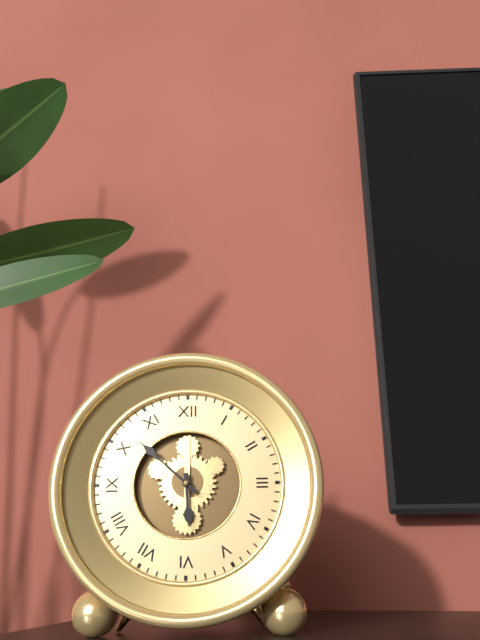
**5:52**
